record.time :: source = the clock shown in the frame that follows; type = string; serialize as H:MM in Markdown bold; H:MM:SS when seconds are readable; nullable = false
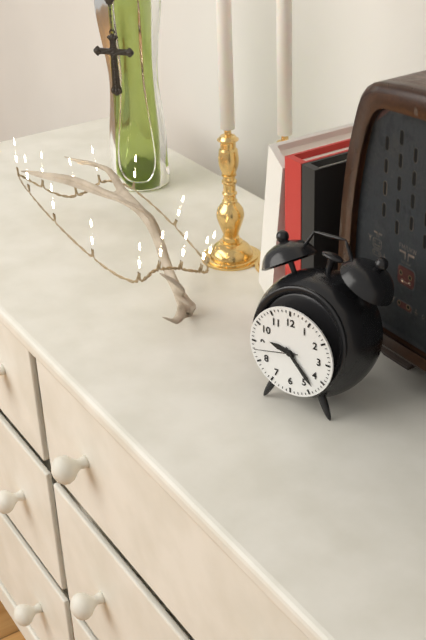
**9:23**
